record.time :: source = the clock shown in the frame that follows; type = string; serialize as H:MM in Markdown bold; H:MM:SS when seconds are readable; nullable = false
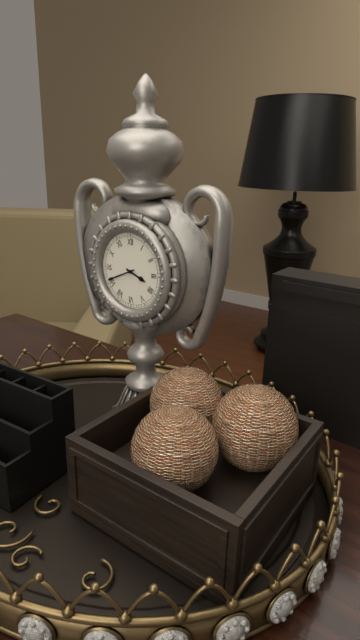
**3:41**
